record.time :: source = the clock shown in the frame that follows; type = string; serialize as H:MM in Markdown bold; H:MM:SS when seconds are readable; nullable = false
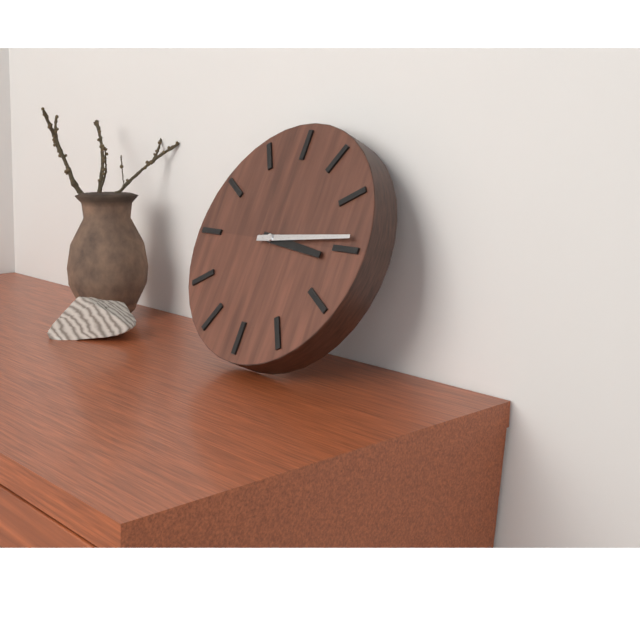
**3:14**
